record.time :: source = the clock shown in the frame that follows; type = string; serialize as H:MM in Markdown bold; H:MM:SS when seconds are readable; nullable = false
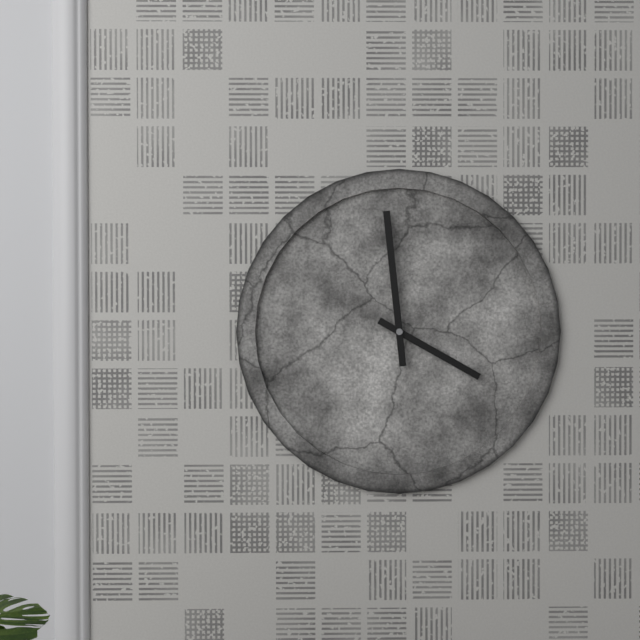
**3:59**
